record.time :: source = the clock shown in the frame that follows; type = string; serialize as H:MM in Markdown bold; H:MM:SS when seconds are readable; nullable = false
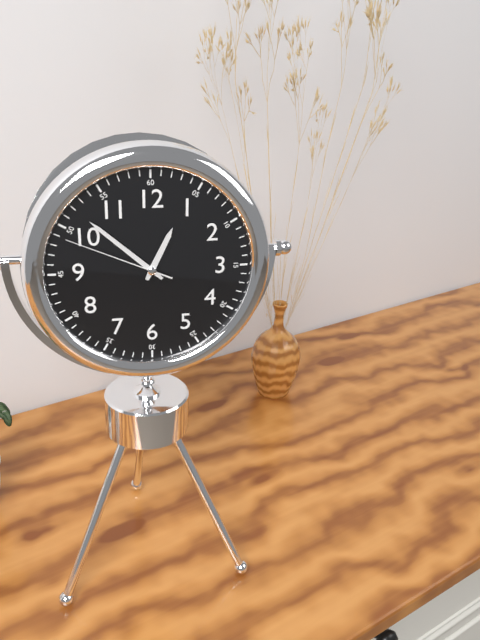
**12:52:49**
